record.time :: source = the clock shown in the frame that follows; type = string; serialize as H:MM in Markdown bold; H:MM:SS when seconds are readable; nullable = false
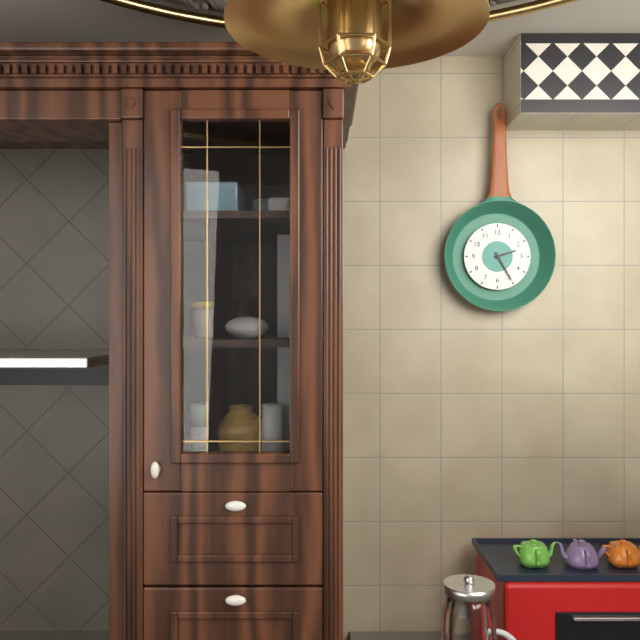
**2:25**
